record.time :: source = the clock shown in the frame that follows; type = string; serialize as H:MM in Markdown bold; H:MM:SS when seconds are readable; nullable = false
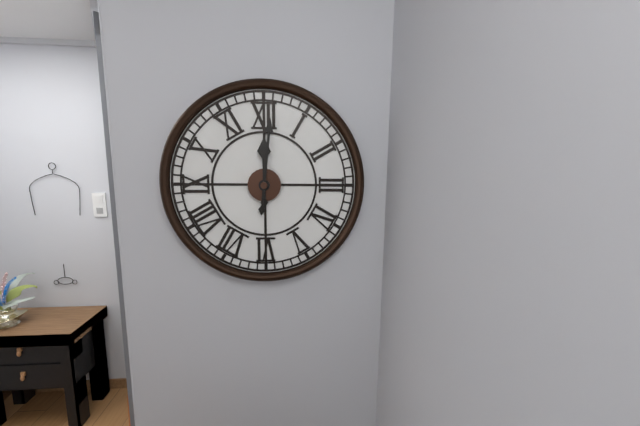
**12:01**
